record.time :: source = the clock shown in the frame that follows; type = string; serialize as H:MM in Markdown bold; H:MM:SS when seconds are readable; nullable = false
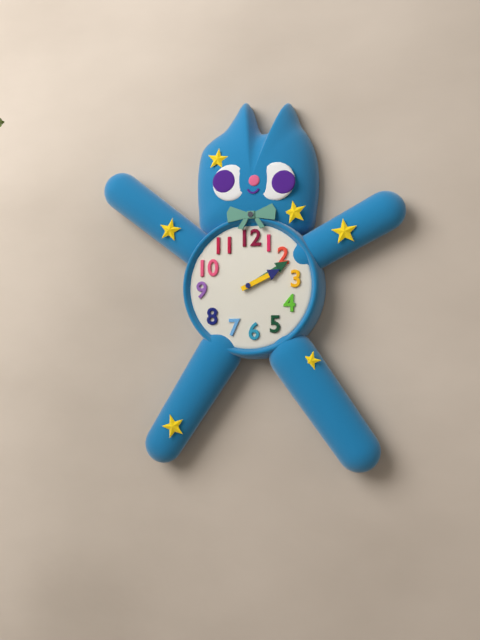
**2:10**
